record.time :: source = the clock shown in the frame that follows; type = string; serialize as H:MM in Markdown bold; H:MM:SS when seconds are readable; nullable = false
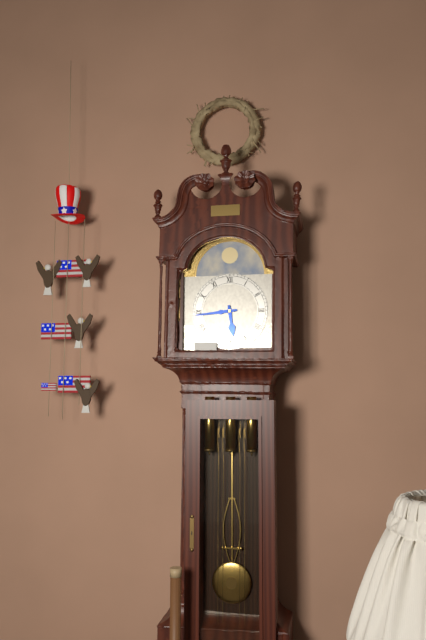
**5:44**
